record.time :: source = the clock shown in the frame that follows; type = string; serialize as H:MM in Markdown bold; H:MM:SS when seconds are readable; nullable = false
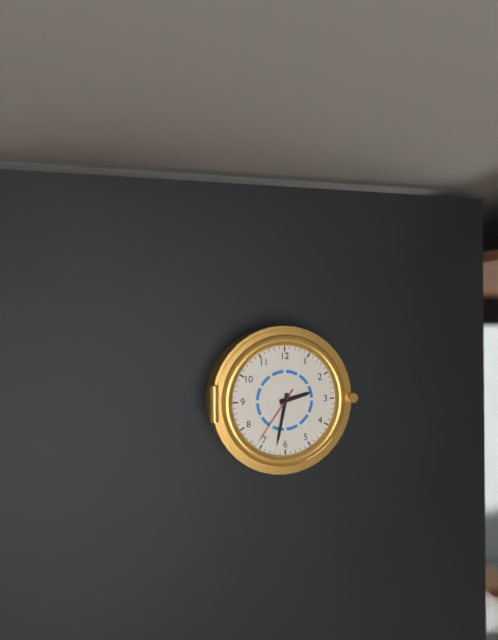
**2:32:36**
